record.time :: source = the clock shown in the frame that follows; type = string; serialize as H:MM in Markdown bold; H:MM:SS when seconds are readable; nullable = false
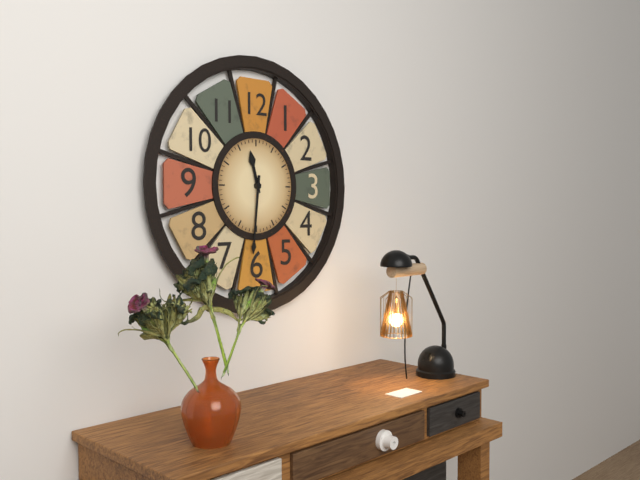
**11:31**
